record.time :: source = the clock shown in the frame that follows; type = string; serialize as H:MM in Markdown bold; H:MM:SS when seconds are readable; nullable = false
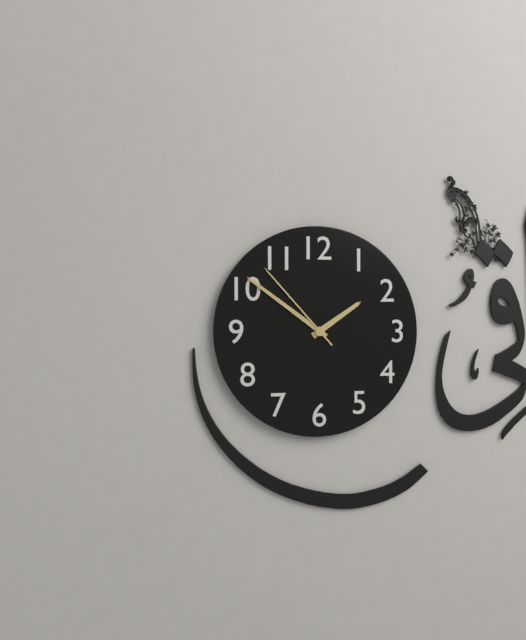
**1:51:53**
